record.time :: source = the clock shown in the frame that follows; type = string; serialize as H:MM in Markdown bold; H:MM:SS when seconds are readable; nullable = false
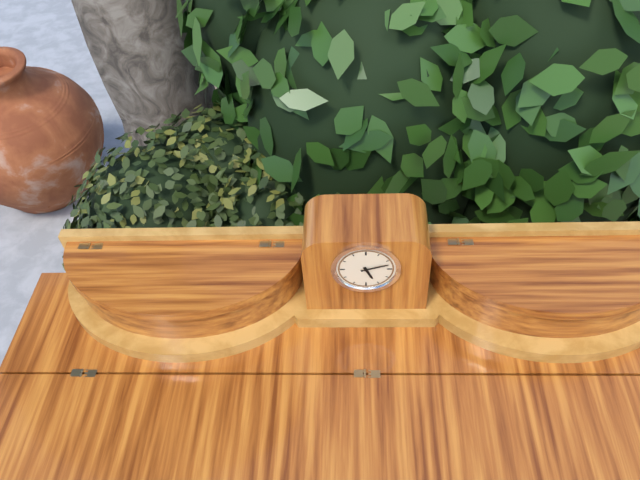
**5:12**
